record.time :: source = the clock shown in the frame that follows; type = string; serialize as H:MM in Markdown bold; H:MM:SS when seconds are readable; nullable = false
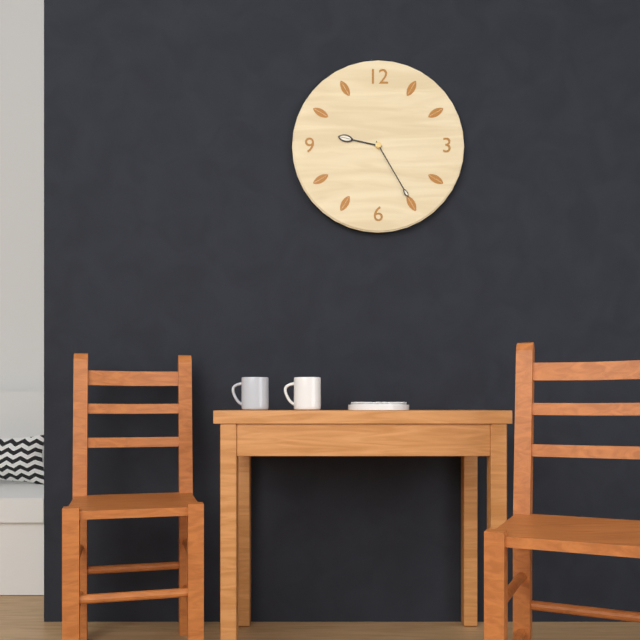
**9:25**
